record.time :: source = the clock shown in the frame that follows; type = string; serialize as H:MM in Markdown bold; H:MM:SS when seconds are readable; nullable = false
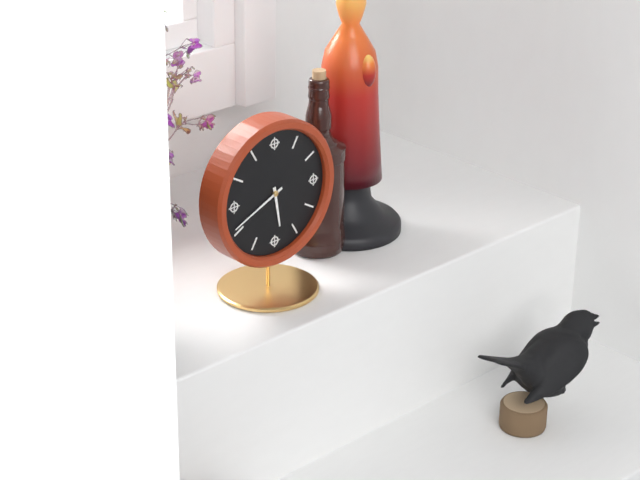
**5:41**
